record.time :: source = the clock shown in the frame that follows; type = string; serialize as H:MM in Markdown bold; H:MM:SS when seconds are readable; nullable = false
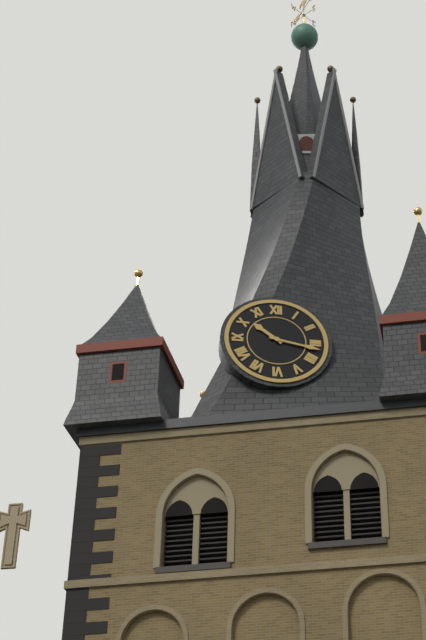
**10:17**
